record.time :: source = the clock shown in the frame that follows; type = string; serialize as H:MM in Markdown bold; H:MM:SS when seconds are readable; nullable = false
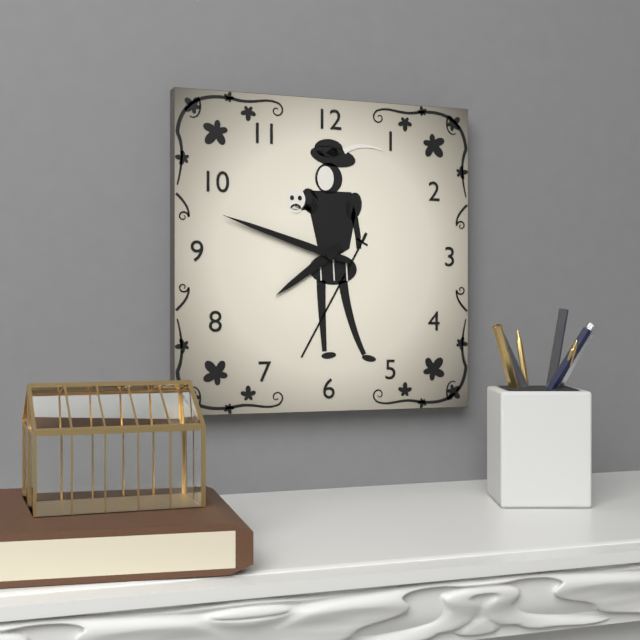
**7:48**
